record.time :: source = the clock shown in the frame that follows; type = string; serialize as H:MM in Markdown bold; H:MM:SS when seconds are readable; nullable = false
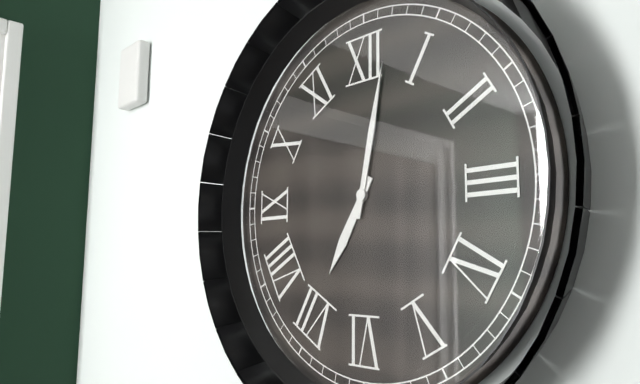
**7:02**
